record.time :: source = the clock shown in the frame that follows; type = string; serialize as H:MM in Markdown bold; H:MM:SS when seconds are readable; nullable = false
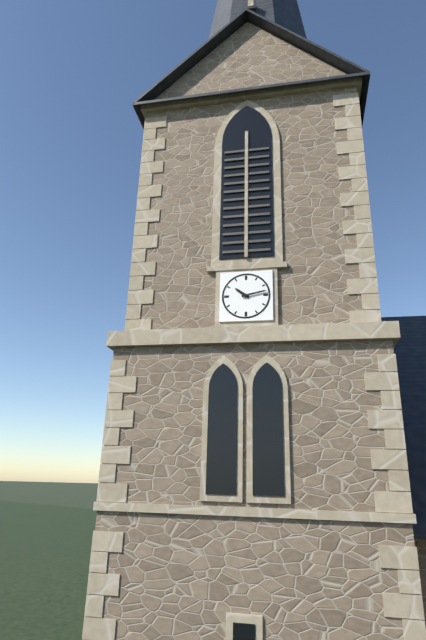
**10:13**
